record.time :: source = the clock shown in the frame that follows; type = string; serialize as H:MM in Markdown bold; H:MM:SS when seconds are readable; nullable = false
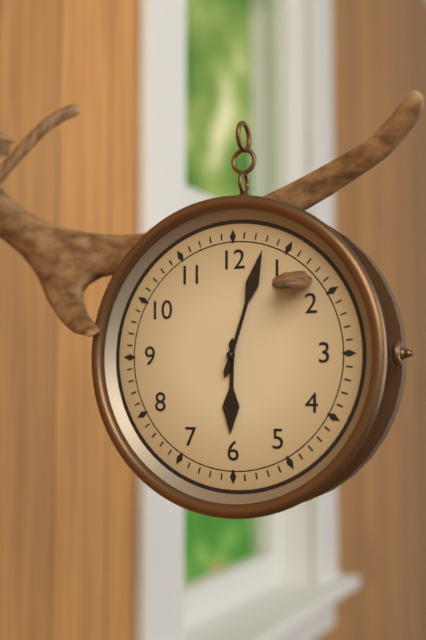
**6:03**
